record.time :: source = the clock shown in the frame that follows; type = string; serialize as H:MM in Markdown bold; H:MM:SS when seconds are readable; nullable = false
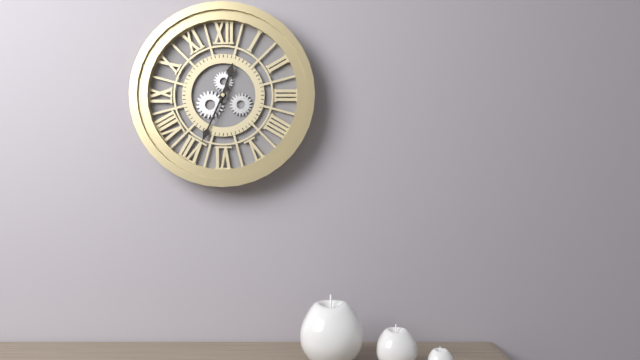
**12:34**
